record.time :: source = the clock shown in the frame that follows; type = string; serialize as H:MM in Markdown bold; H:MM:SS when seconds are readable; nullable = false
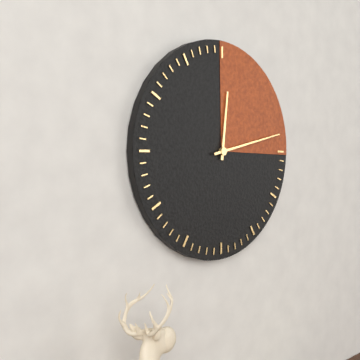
**12:13**
